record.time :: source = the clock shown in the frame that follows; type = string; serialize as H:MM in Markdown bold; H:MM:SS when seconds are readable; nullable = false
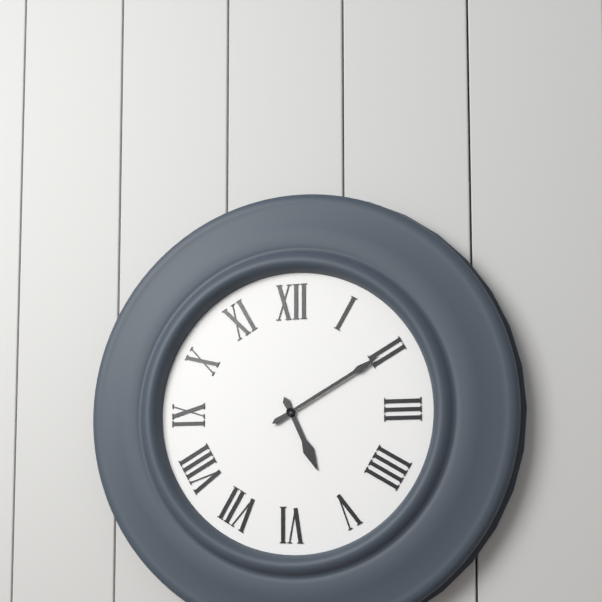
**5:10**
